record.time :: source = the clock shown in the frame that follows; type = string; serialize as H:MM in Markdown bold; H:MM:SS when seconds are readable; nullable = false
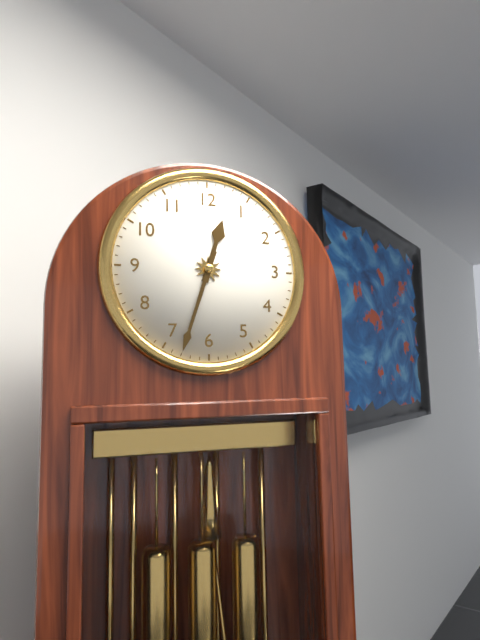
**12:33**
